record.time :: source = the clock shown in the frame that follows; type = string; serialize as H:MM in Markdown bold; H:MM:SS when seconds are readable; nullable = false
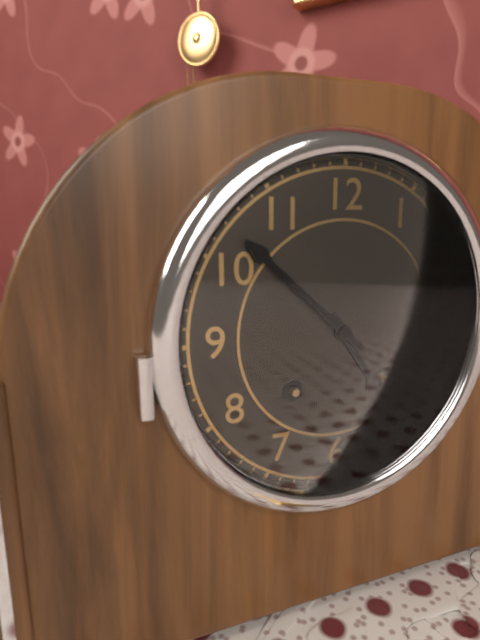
**4:52**
